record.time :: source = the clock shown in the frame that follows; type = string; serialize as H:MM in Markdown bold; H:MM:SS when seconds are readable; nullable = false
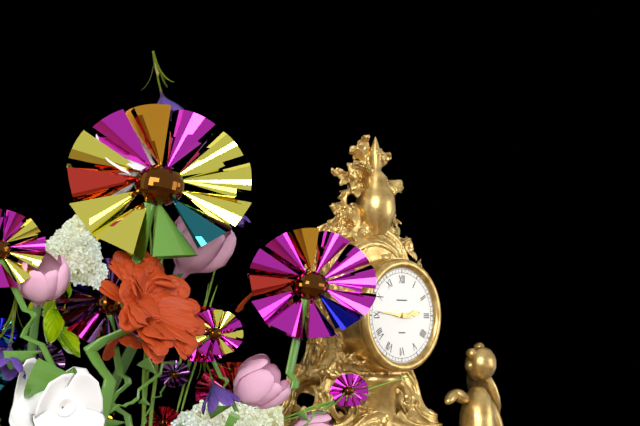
**2:46**
